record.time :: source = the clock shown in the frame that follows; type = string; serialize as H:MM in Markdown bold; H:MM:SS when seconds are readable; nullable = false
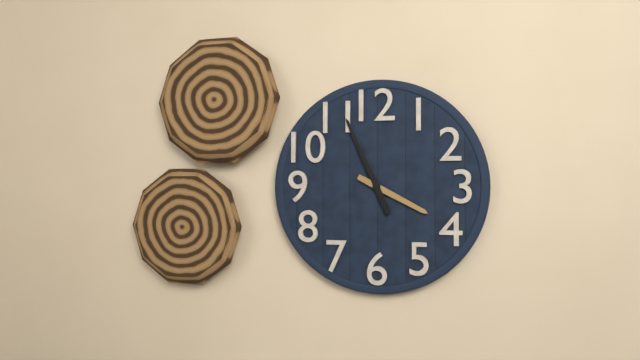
**3:56**
